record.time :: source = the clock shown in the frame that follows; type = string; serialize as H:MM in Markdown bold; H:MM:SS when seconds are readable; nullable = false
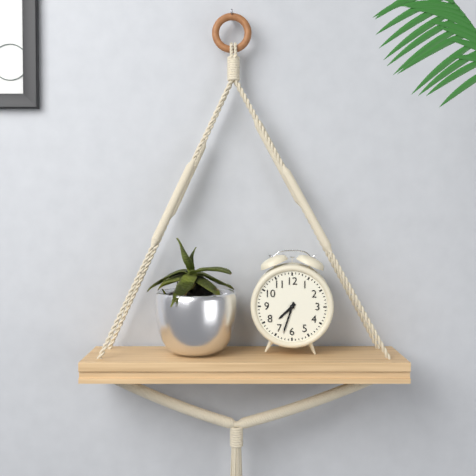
**7:33**
